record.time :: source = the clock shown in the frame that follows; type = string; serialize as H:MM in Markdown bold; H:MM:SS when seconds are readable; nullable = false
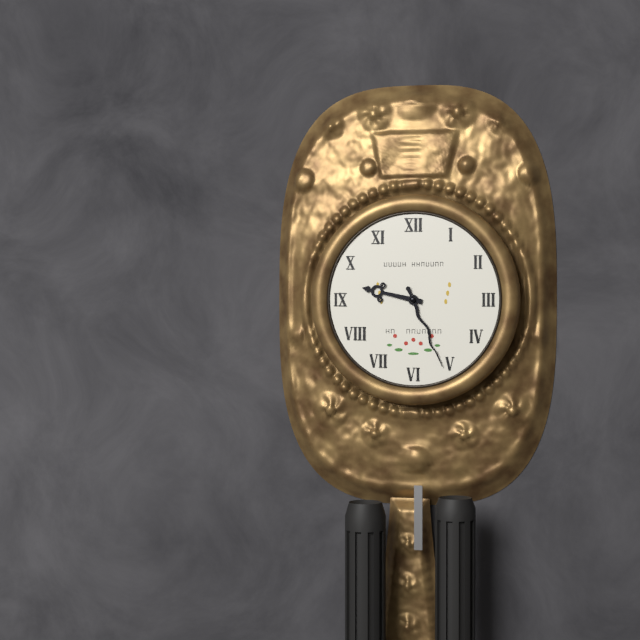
**9:26**
